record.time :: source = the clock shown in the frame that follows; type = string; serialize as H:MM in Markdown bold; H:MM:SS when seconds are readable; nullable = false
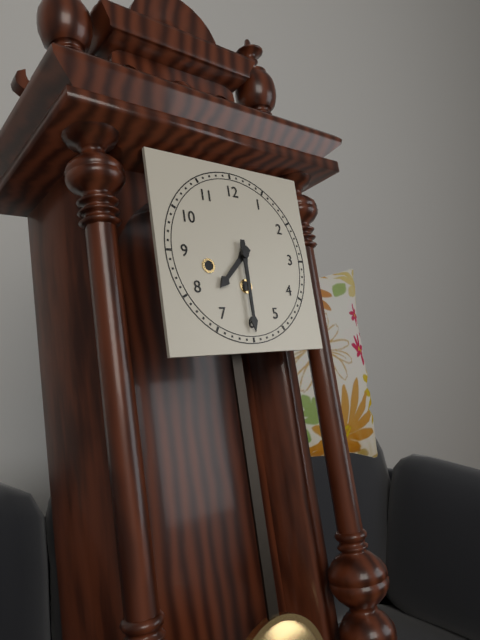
**7:30**
